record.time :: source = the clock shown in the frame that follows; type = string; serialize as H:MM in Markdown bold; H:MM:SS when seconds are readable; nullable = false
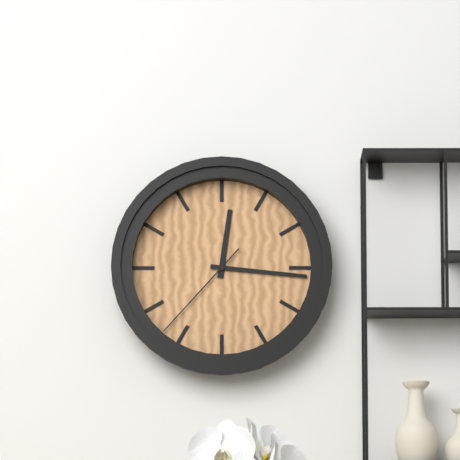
**12:16:37**
